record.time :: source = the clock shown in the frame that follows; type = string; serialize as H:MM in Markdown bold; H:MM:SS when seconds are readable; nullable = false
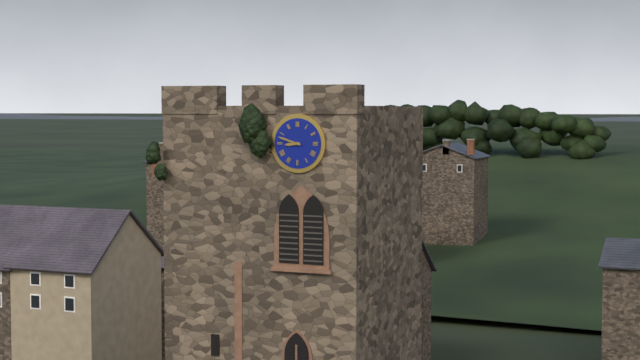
**8:48**
